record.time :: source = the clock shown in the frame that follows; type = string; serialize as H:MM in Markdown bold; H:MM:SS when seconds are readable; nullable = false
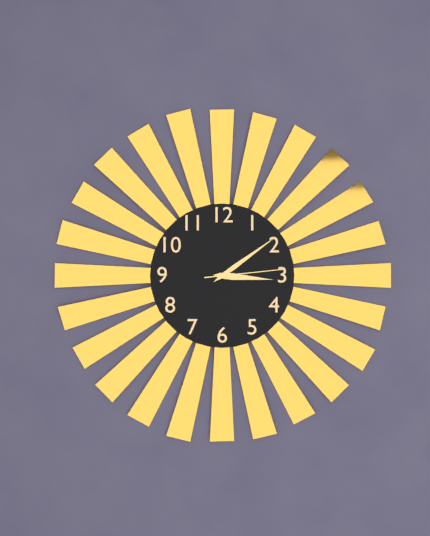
**3:09:14**
